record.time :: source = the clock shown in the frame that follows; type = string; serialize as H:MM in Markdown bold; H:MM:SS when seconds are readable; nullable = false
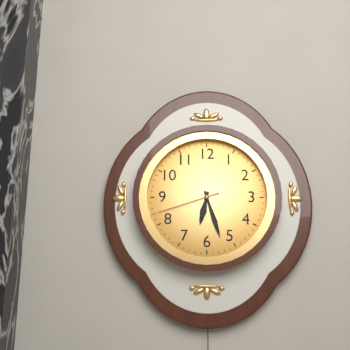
**6:27:42**
